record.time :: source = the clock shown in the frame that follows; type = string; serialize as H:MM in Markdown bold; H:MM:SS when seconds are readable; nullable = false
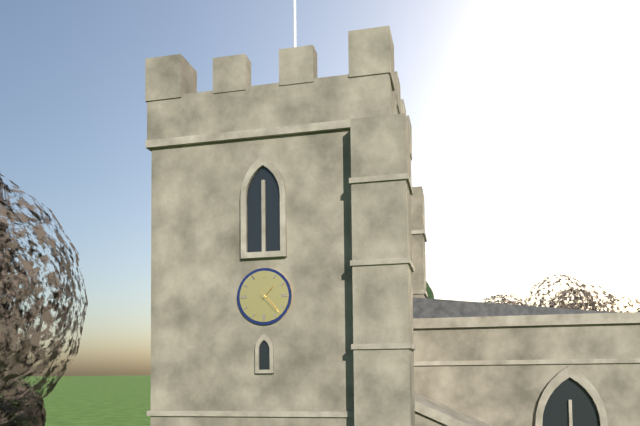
**1:23**
